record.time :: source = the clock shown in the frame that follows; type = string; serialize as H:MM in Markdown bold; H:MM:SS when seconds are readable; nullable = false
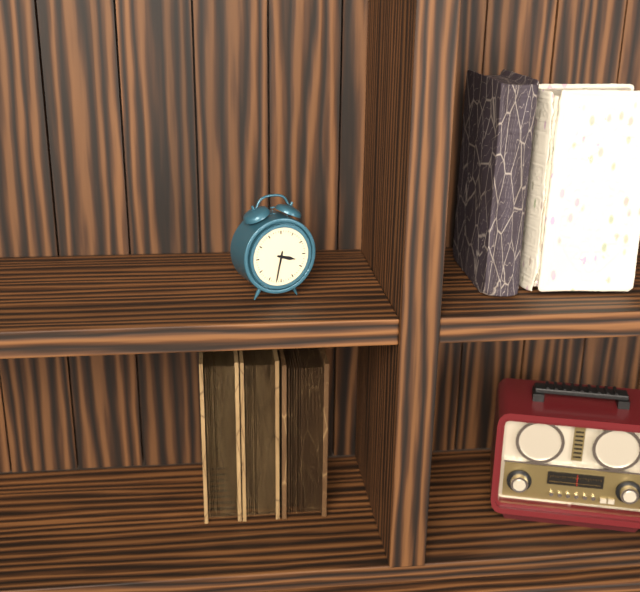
**3:32**
